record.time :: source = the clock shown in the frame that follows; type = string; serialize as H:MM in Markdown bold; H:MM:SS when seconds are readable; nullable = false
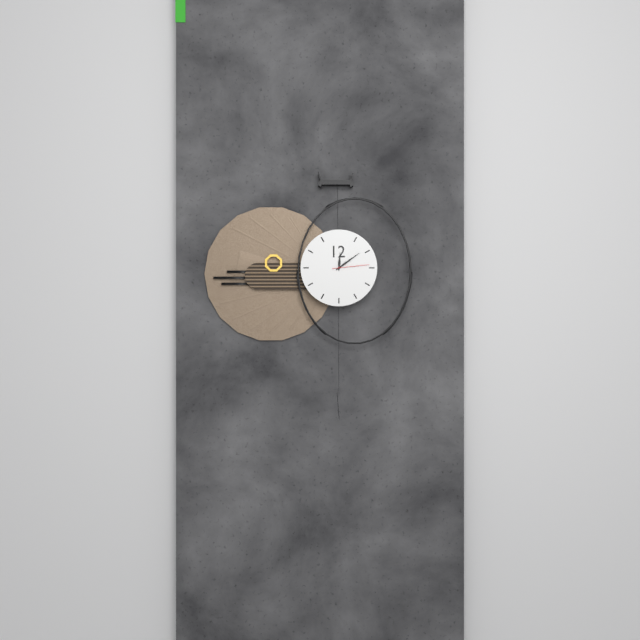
**12:09**
